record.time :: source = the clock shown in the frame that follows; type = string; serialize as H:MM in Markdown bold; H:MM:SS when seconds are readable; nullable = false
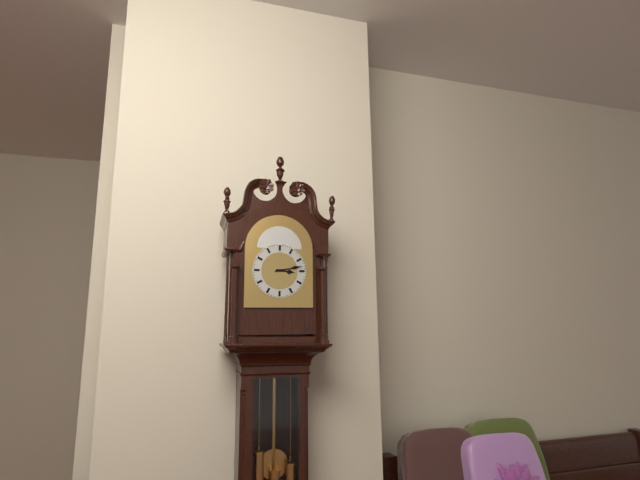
**3:13**
